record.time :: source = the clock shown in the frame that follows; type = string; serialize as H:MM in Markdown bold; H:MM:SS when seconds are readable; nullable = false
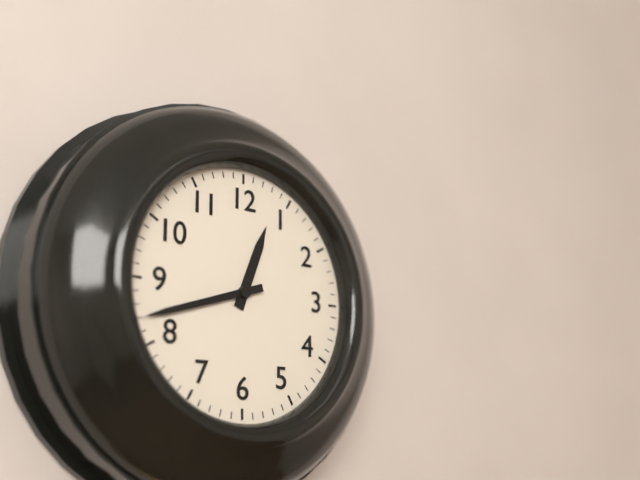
**12:42**
